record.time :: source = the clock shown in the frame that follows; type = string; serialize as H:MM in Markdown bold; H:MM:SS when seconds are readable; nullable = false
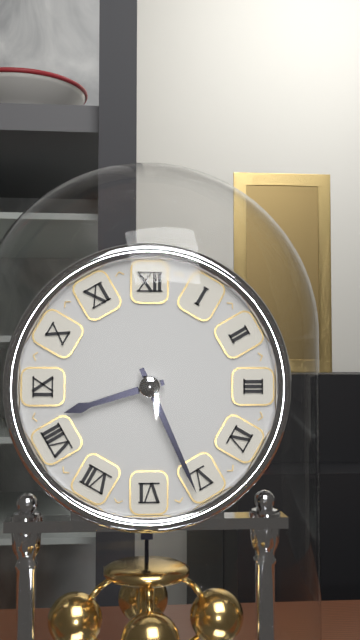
**8:26**
